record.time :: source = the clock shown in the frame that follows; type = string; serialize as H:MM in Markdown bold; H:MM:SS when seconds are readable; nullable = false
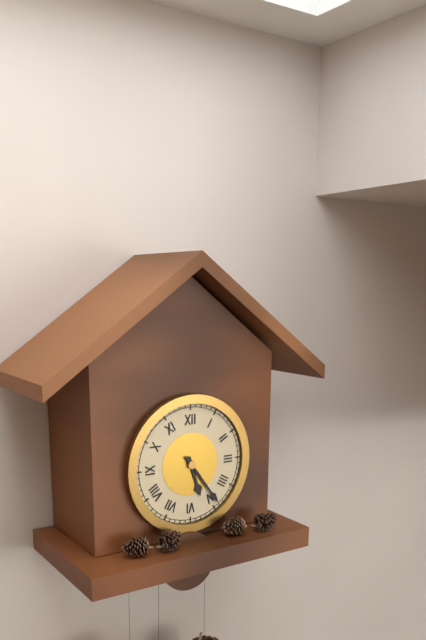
**5:24**
